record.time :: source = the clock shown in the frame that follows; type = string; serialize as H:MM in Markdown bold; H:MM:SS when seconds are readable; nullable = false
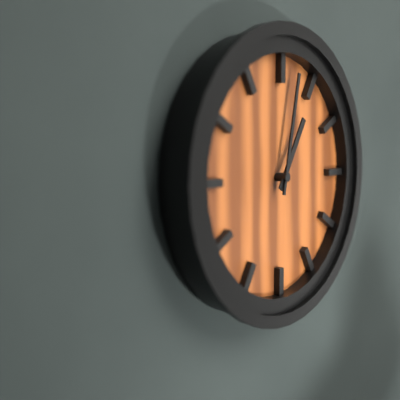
**1:02**
